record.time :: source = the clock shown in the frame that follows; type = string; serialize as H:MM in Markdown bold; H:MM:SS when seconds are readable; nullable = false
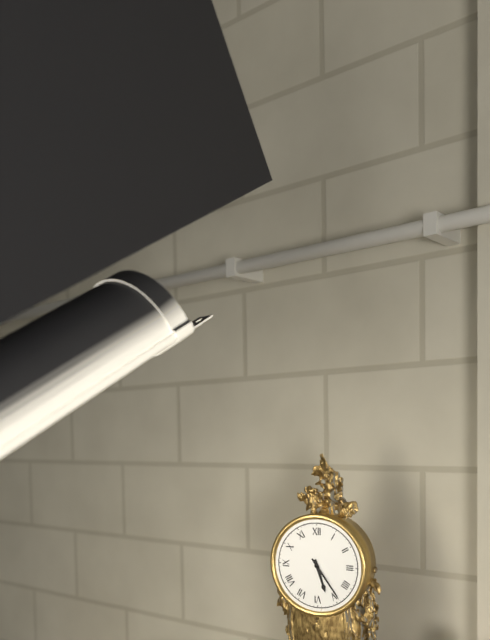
**5:24**
